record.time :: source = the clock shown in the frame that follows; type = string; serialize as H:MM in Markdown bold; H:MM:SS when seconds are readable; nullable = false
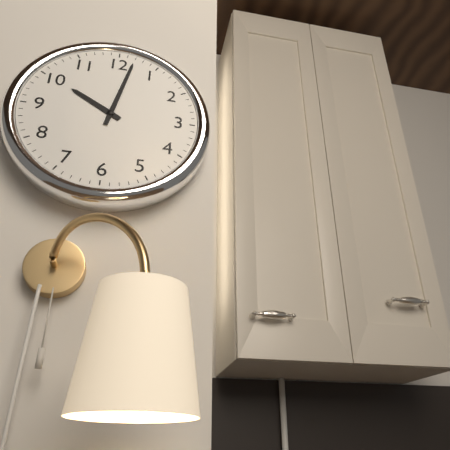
**10:02**
